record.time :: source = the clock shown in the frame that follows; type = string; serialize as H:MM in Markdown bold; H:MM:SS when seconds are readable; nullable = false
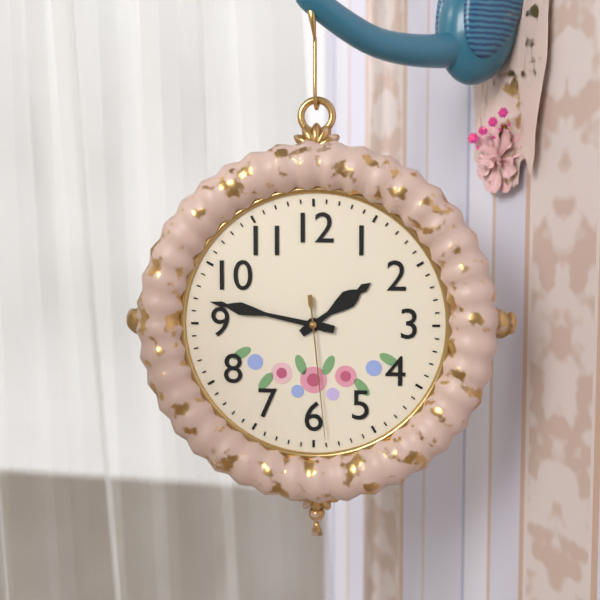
**1:47:29**
